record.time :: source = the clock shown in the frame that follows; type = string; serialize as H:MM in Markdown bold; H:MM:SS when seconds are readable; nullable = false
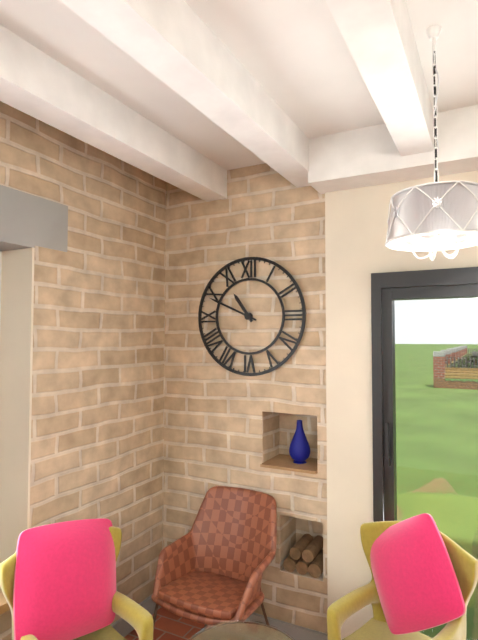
**10:49**
